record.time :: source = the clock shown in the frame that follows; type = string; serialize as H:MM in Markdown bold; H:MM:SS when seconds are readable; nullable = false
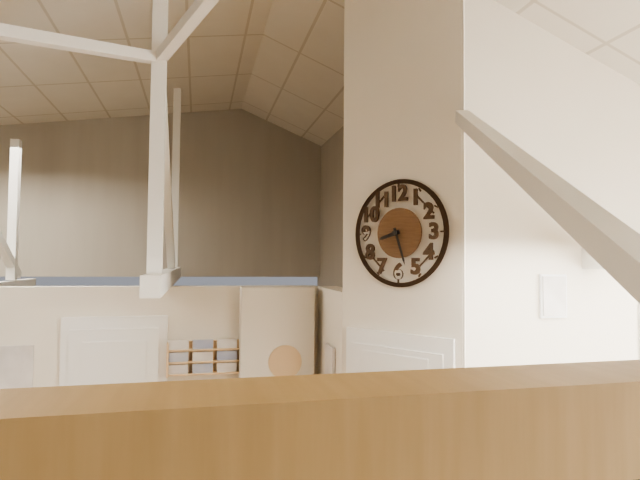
**8:27**
